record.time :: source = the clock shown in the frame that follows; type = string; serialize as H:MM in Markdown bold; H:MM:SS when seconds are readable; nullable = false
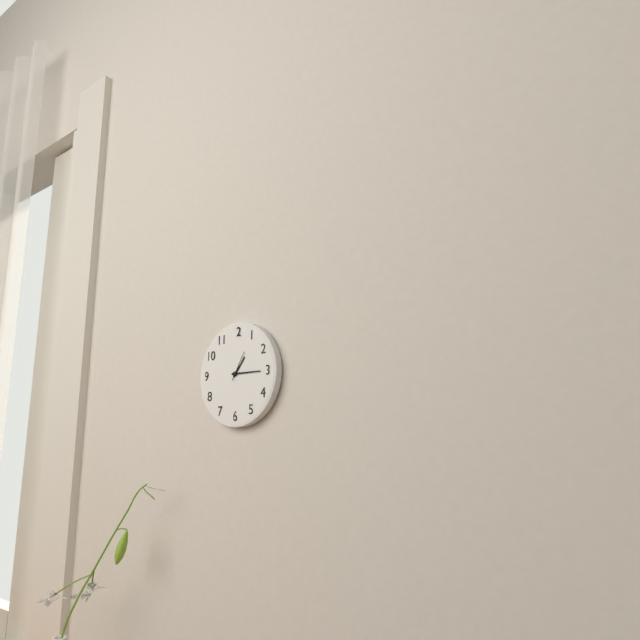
**1:15**
